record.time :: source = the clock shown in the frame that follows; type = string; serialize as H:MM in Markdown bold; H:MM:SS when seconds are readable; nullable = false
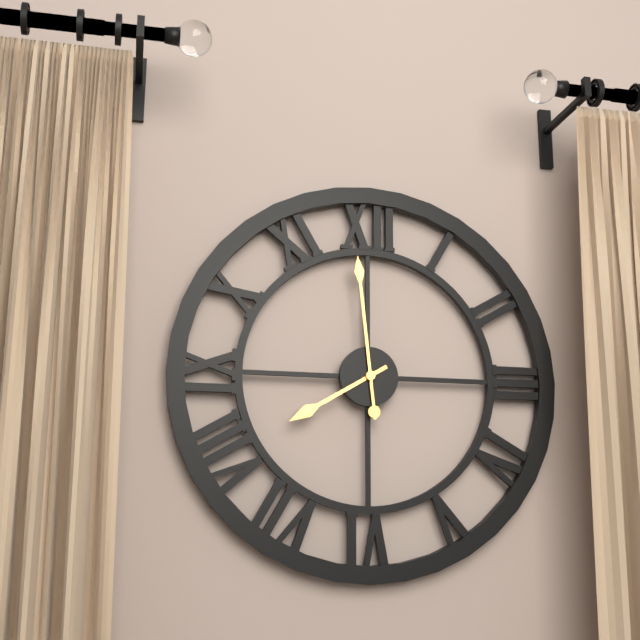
**7:59**
